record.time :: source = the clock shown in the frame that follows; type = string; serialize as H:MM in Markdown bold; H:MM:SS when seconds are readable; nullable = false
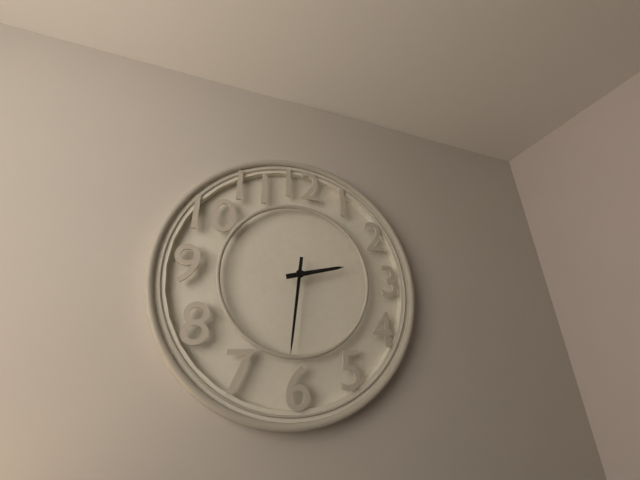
**2:31**
